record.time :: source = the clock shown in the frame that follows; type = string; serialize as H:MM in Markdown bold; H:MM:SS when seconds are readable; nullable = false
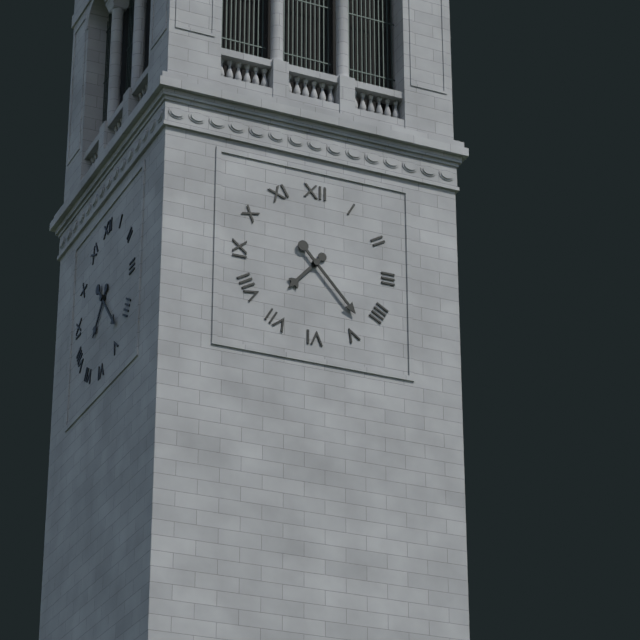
**7:23**
